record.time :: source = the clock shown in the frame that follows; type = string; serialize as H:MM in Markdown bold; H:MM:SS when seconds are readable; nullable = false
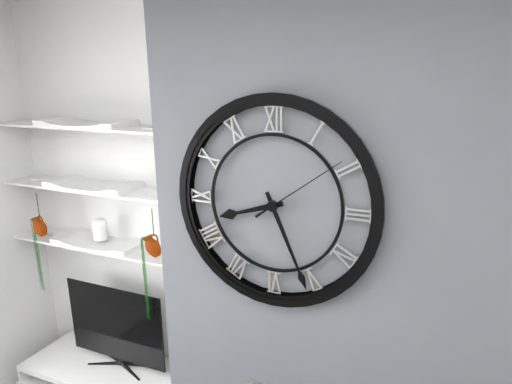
**8:26:09**
